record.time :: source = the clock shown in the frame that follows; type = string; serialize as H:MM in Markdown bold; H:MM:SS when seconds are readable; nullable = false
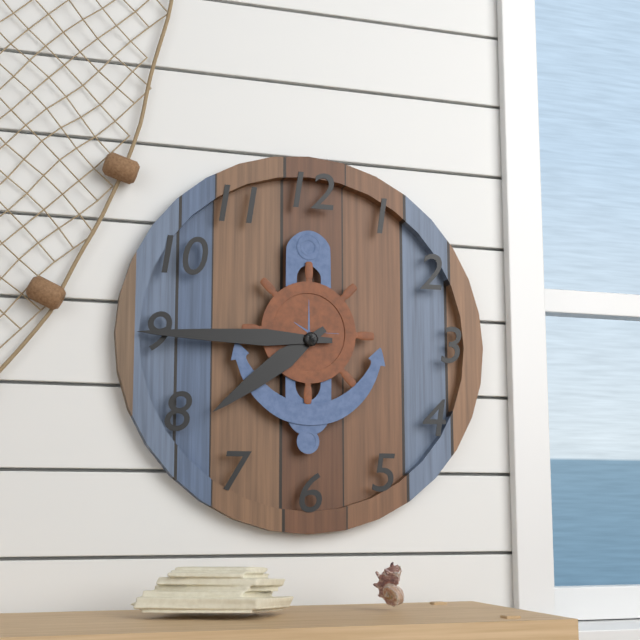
**7:45**
